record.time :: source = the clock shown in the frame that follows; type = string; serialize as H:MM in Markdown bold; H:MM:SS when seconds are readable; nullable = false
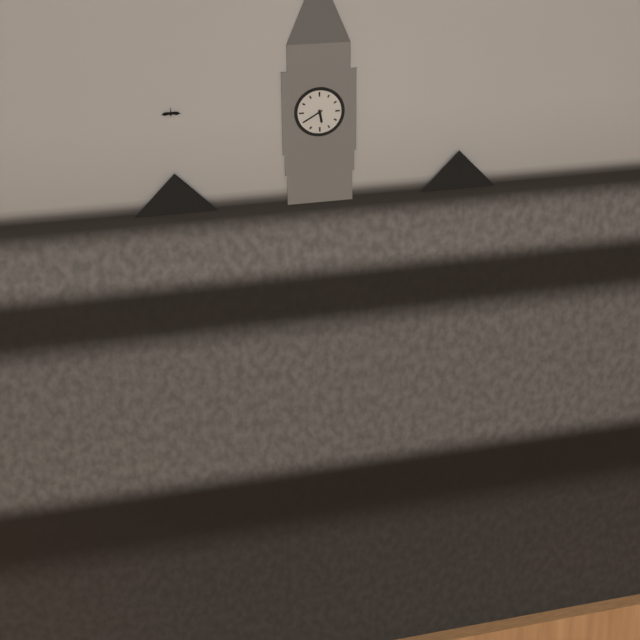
**5:40**
